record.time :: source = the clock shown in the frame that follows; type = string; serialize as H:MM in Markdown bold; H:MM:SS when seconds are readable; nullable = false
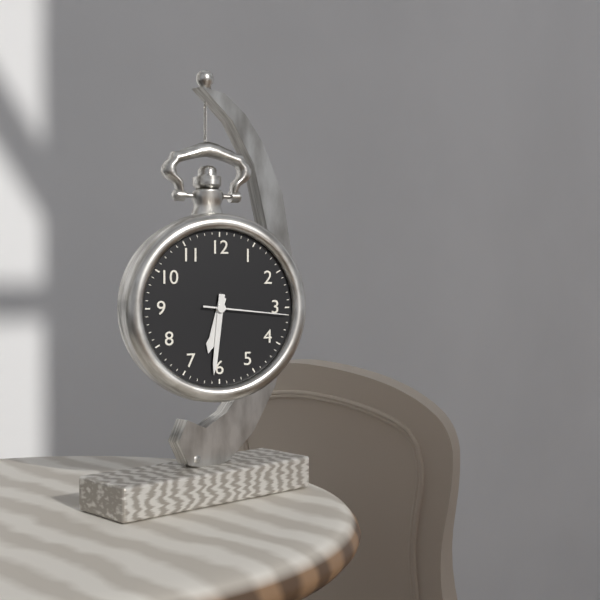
**6:31:16**
